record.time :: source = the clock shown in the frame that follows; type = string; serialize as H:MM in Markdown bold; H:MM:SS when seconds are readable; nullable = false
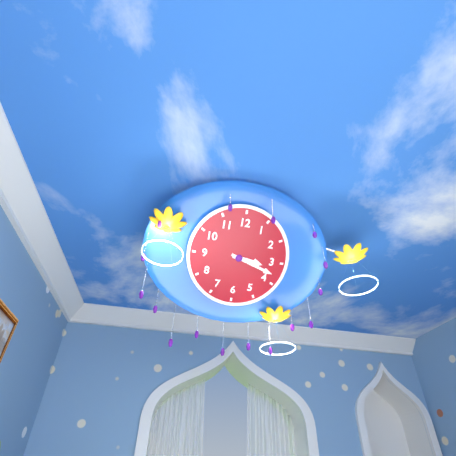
**3:18**
